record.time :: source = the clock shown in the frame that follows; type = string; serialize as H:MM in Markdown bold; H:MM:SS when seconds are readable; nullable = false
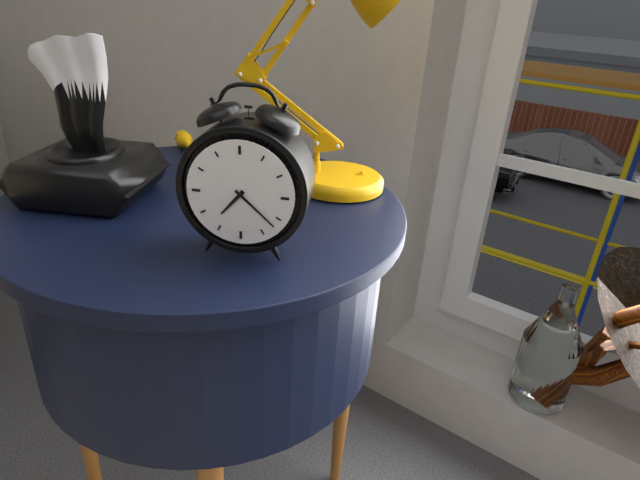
**7:22**
